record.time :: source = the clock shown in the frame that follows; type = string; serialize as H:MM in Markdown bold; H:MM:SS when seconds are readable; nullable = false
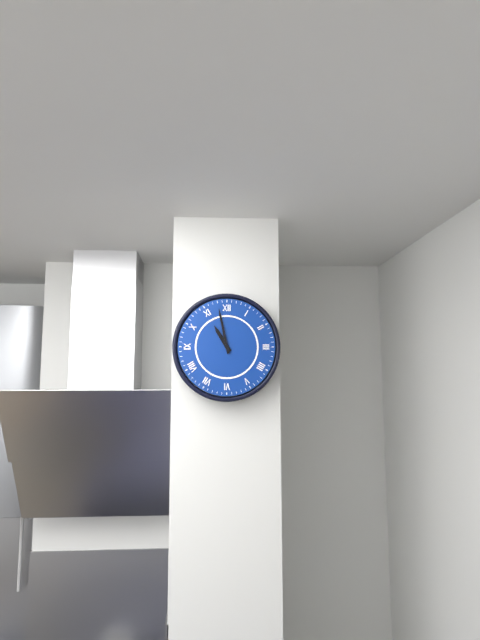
**10:58**
